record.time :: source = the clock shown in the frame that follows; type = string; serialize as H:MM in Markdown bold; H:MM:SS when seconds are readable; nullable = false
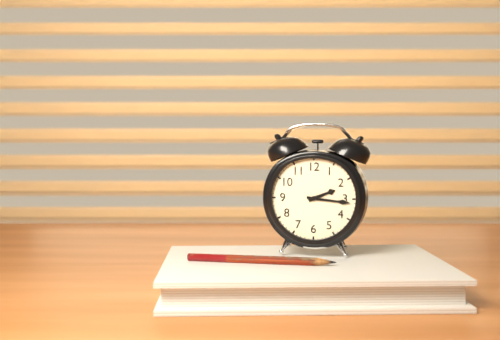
**2:16**
